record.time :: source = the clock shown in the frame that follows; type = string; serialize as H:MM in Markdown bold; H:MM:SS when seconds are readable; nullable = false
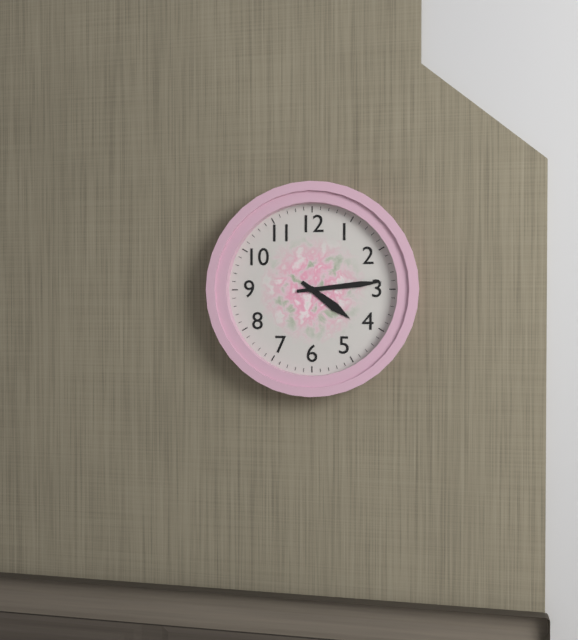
**4:14**
